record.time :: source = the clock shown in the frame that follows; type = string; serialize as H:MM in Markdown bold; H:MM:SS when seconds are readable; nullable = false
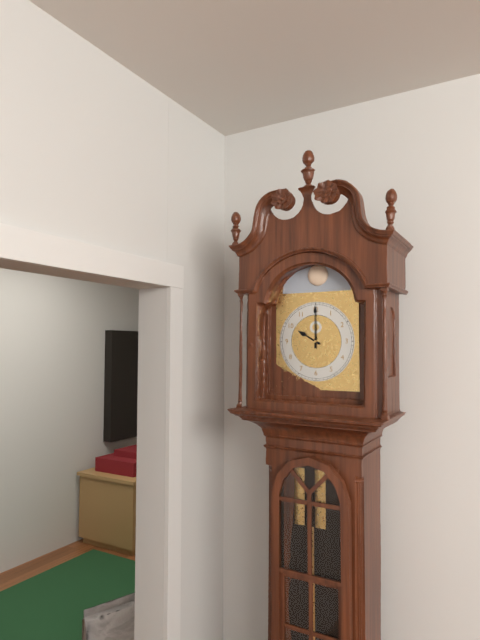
**10:00**
